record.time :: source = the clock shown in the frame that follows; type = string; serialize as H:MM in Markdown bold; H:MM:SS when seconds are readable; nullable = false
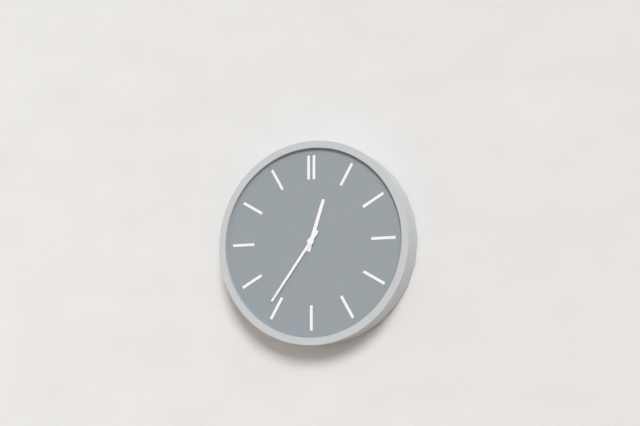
**12:36**
